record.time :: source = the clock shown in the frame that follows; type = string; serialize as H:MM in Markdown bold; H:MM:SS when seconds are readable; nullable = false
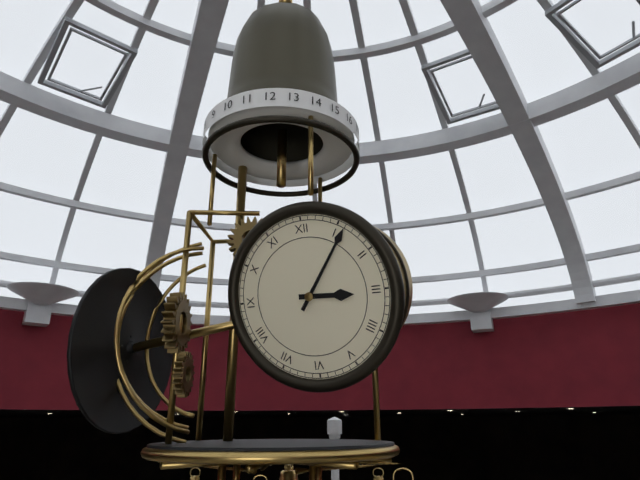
**3:06**
